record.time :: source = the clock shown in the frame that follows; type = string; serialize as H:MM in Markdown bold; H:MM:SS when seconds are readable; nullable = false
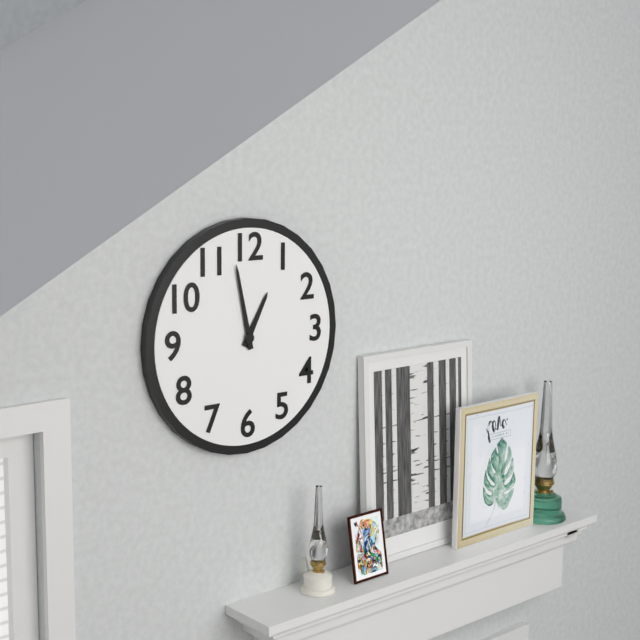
**12:58**
